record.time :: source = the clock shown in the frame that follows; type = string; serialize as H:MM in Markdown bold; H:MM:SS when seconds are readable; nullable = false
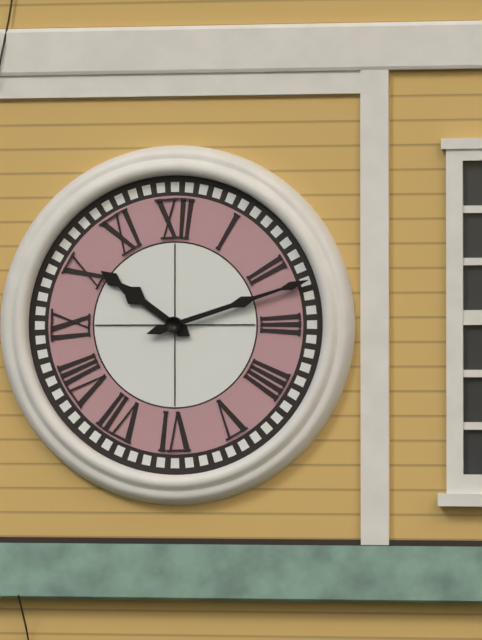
**10:12**
